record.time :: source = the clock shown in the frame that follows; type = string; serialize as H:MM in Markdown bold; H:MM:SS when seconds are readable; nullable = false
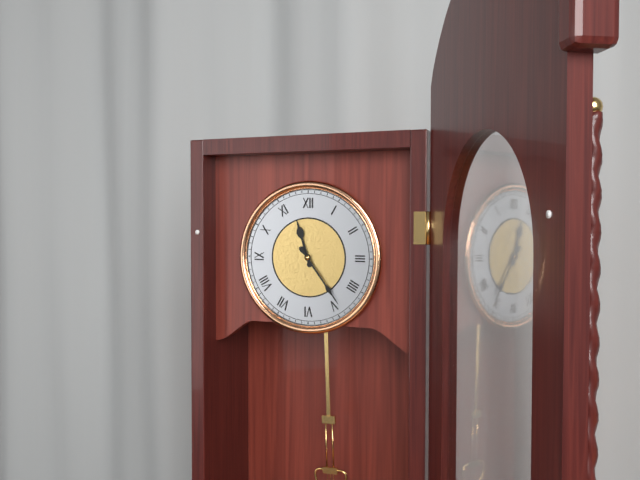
**11:24**
